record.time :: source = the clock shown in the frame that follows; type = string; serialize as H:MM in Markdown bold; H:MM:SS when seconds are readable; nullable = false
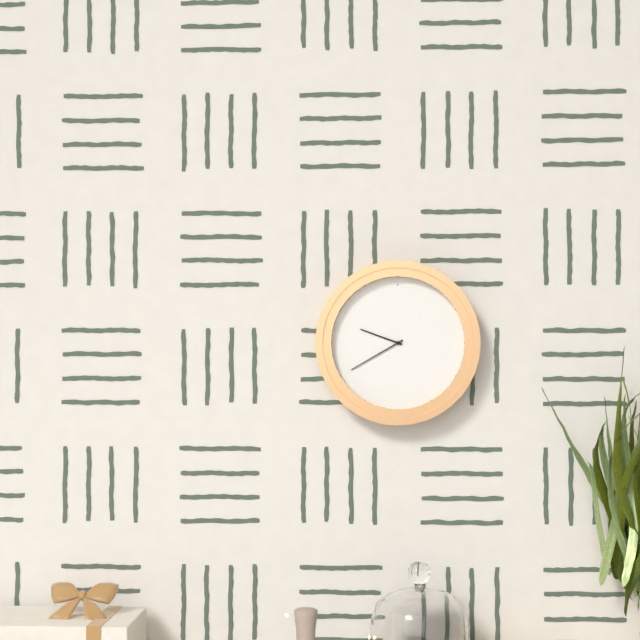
**9:40**
